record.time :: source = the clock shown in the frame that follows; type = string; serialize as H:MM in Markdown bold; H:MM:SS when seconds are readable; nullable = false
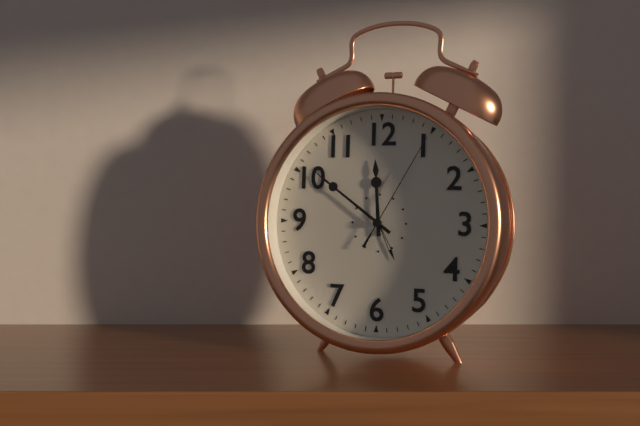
**11:51:05**
